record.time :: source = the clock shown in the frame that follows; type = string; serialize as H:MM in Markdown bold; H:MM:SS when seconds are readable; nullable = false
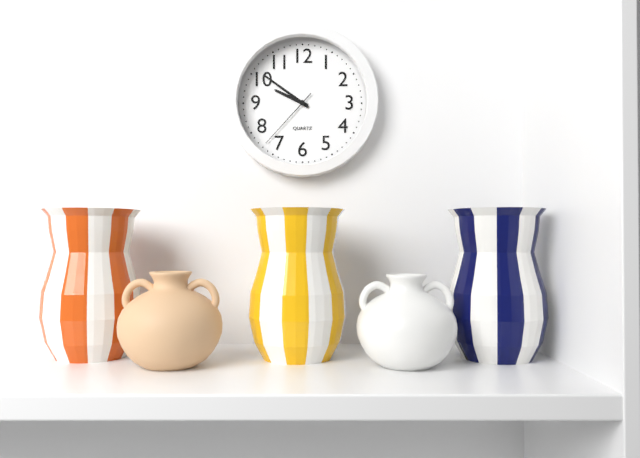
**9:51:37**
